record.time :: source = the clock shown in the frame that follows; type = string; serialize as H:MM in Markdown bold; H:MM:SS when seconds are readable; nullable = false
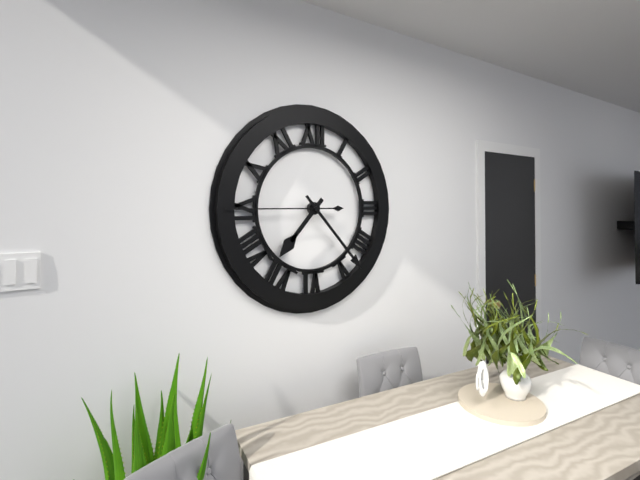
**7:23:45**
